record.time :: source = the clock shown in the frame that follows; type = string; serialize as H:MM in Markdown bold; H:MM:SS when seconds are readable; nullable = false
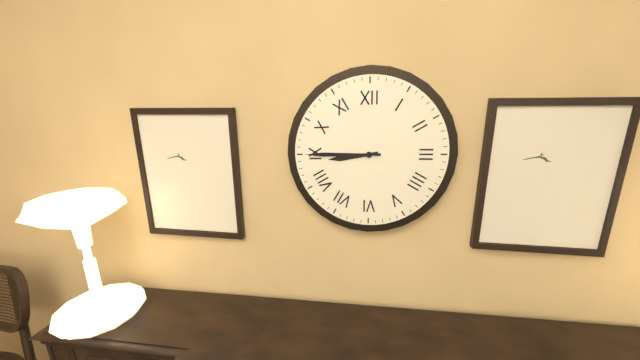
**8:45**
